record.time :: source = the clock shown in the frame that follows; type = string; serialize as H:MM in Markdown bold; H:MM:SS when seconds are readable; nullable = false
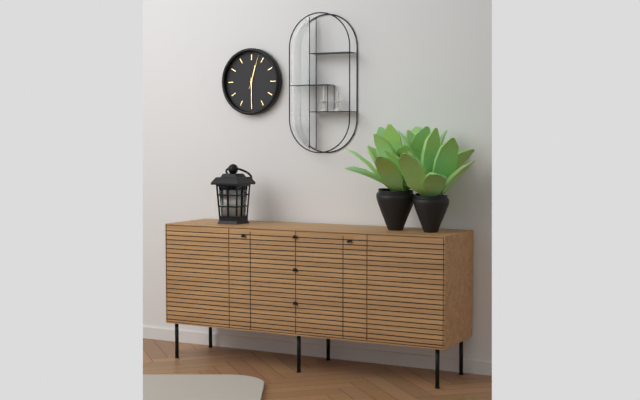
**12:30**
